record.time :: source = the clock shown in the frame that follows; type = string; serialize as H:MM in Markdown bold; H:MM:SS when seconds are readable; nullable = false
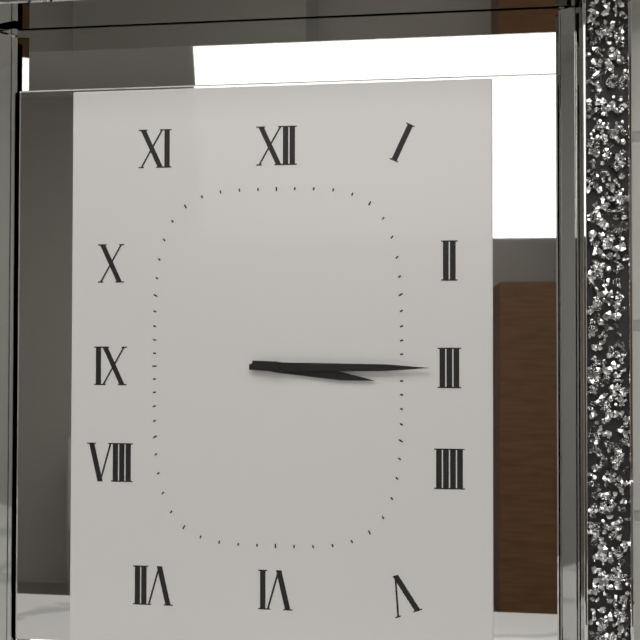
**3:15**
